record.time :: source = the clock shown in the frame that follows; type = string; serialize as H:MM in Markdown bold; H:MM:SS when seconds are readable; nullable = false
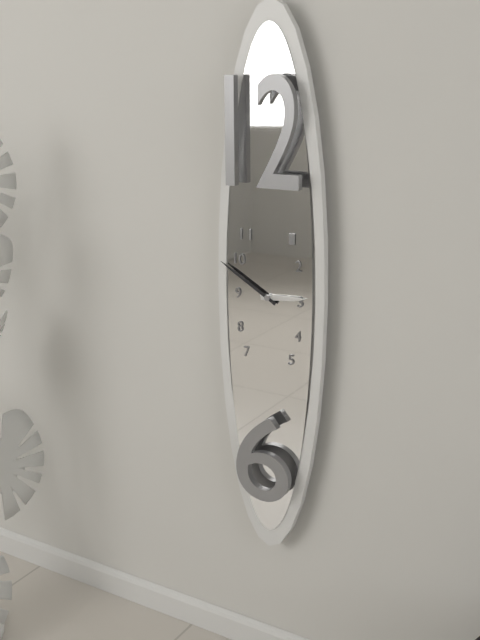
**2:50**
